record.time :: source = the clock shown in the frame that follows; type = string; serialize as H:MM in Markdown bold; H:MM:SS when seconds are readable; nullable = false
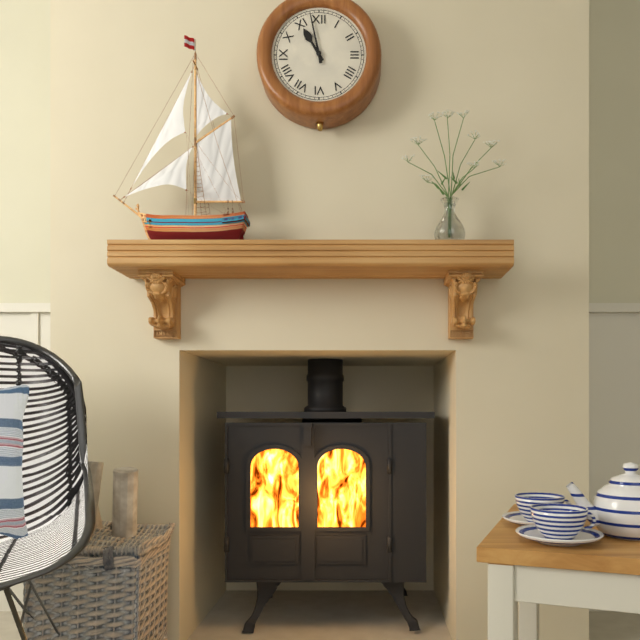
**10:58**
